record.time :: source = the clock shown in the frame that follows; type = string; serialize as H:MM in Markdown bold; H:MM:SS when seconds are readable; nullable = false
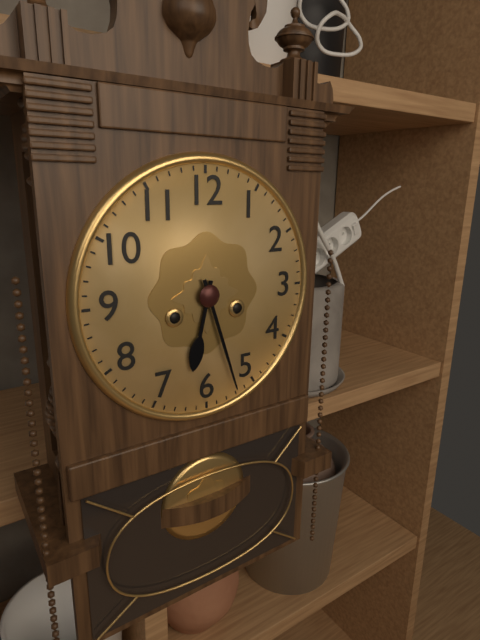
**6:27**
